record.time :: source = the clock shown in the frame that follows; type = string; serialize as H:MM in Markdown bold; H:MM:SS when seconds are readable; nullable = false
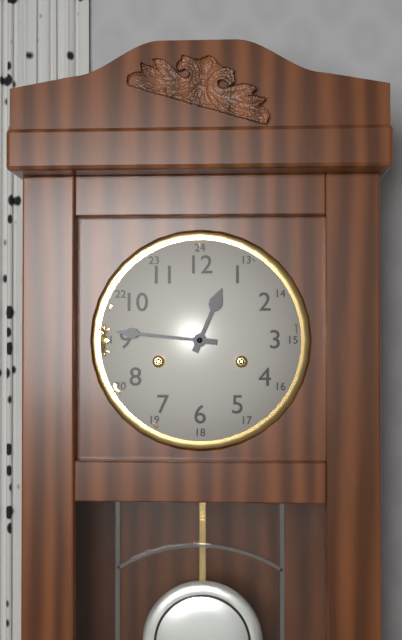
**12:46**
